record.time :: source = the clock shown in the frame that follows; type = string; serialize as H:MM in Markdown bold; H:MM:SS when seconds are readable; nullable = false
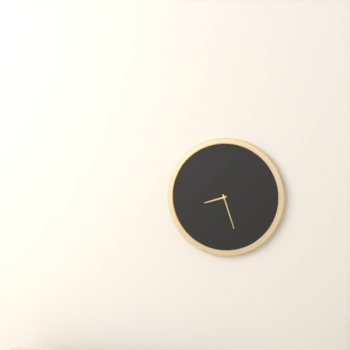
**8:27**
